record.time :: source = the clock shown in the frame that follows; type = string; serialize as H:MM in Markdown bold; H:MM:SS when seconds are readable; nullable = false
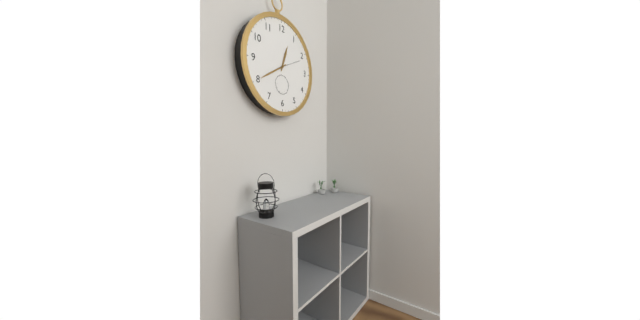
**12:40**
